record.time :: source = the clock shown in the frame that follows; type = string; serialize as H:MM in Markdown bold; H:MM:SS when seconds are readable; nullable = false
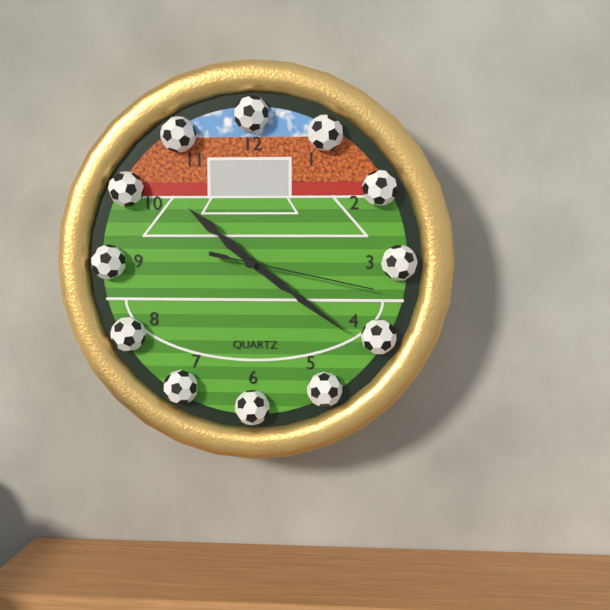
**10:21:17**
